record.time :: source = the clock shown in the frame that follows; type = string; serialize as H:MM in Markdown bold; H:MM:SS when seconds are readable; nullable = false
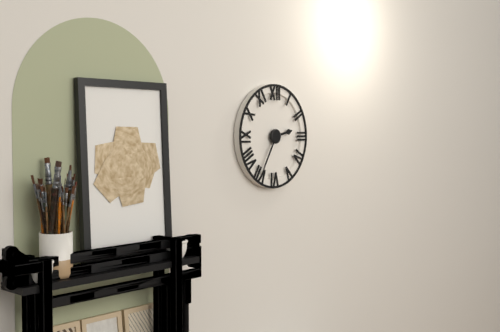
**2:35**
